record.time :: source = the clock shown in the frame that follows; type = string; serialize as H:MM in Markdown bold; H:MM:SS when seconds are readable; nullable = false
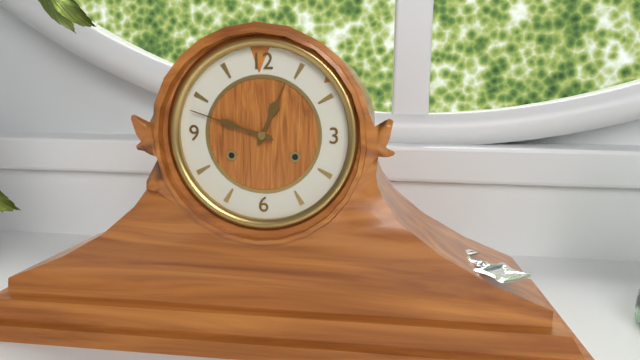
**12:48**
